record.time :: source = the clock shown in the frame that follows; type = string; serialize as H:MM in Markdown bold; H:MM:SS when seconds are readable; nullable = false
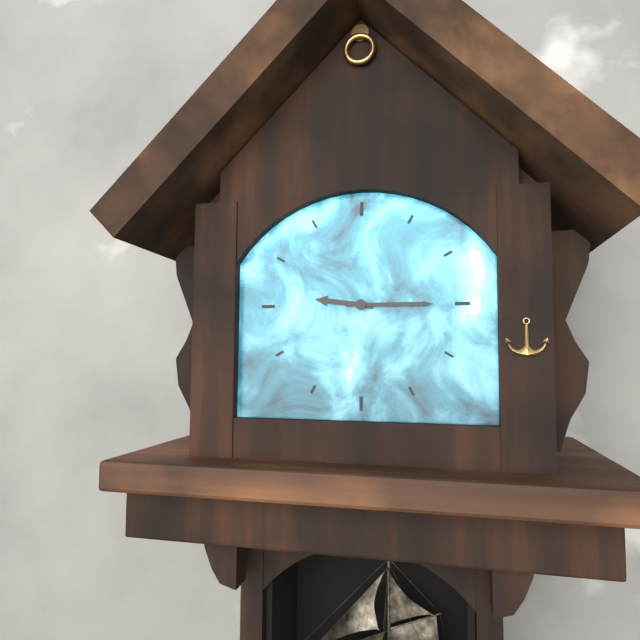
**9:15**
